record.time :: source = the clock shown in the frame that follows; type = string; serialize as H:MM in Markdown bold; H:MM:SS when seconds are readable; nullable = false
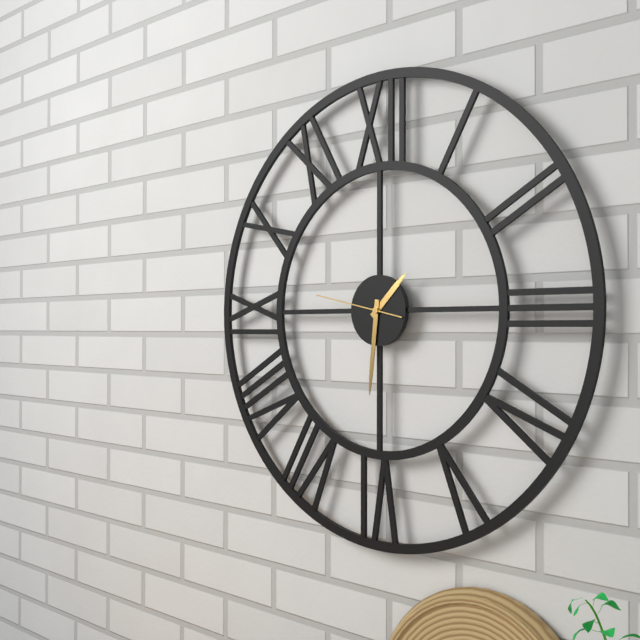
**1:31:47**
